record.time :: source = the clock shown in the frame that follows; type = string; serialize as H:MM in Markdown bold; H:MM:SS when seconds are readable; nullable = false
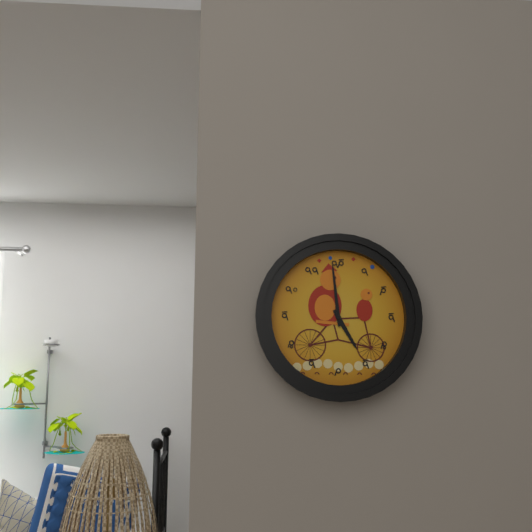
**4:59**
